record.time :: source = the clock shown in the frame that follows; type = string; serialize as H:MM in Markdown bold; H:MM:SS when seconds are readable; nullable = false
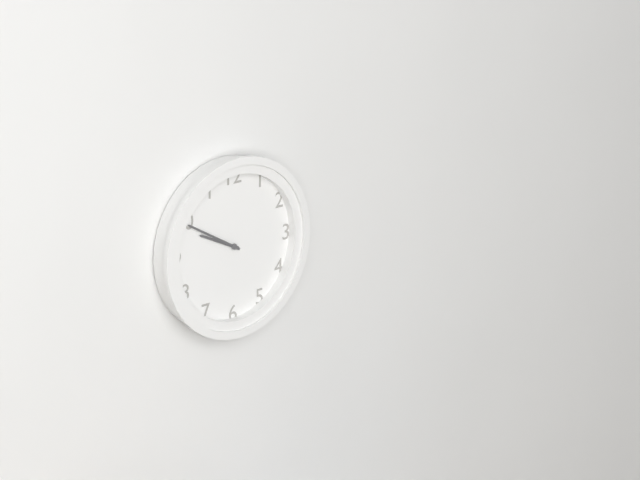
**9:50**
